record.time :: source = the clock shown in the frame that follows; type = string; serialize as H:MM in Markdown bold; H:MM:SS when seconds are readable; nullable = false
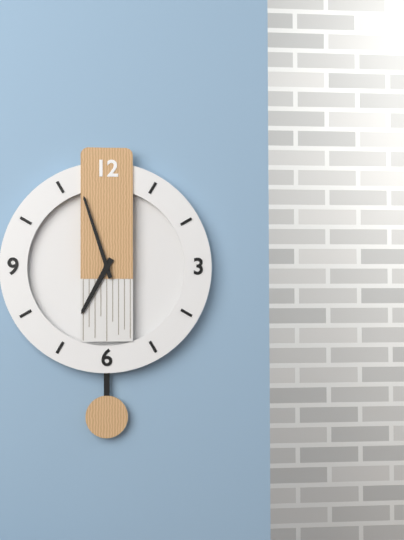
**6:57**
